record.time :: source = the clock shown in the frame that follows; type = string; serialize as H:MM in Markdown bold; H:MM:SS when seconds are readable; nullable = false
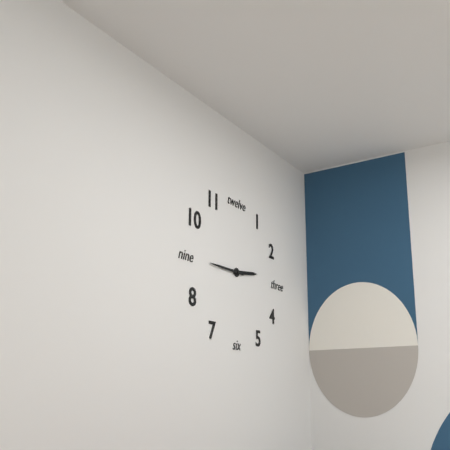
**2:45**
